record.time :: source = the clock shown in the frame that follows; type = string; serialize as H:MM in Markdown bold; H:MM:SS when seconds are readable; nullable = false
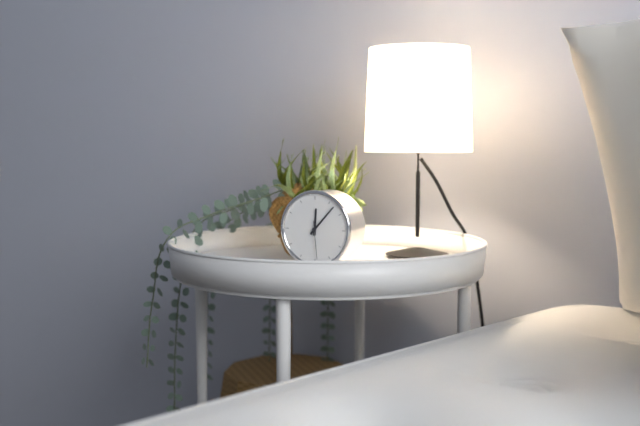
**12:07**
